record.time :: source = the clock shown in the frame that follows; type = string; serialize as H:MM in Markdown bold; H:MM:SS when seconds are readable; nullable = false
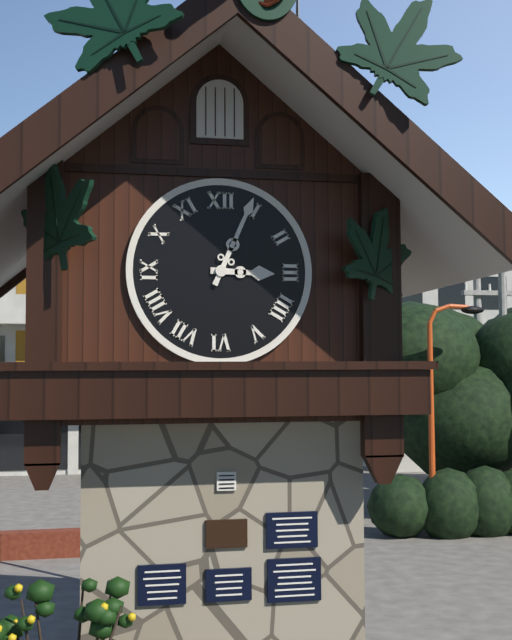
**3:04**
